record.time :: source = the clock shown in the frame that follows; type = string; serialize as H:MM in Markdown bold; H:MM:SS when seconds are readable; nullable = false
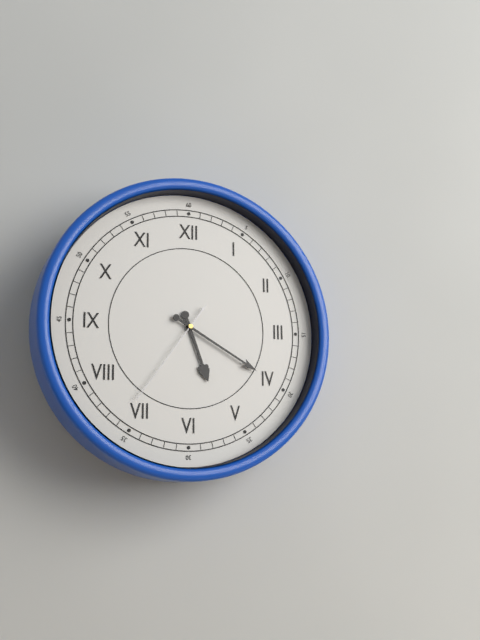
**5:20:36**
